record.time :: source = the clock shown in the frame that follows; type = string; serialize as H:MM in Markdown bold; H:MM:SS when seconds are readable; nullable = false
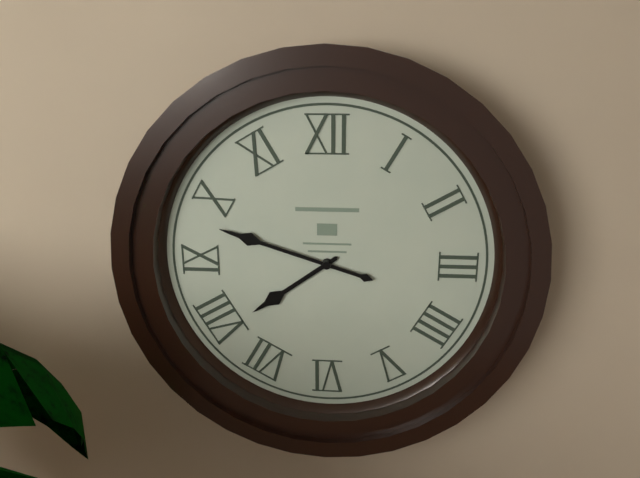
**7:48**
